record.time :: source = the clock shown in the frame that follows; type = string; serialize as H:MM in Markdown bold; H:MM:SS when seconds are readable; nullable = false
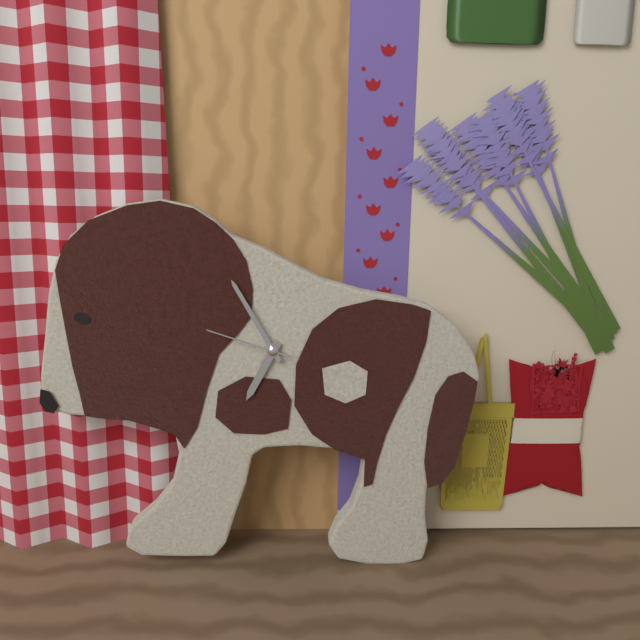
**6:55:48**
